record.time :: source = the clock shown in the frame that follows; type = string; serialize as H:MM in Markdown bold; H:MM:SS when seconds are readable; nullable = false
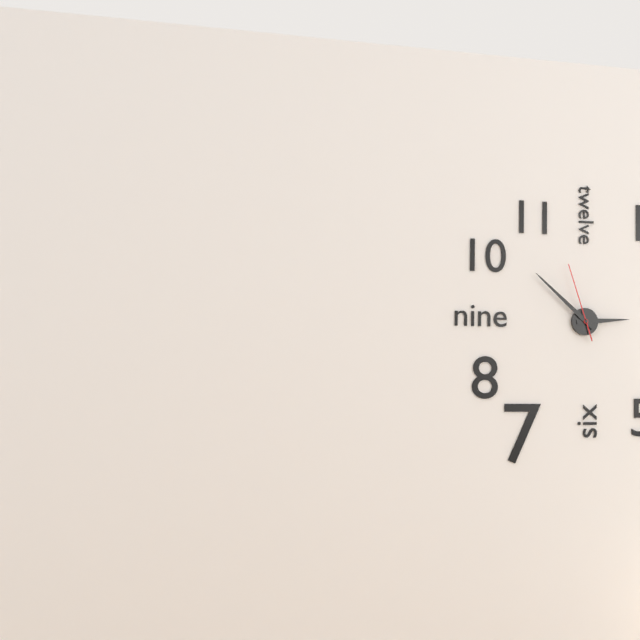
**2:52:57**
